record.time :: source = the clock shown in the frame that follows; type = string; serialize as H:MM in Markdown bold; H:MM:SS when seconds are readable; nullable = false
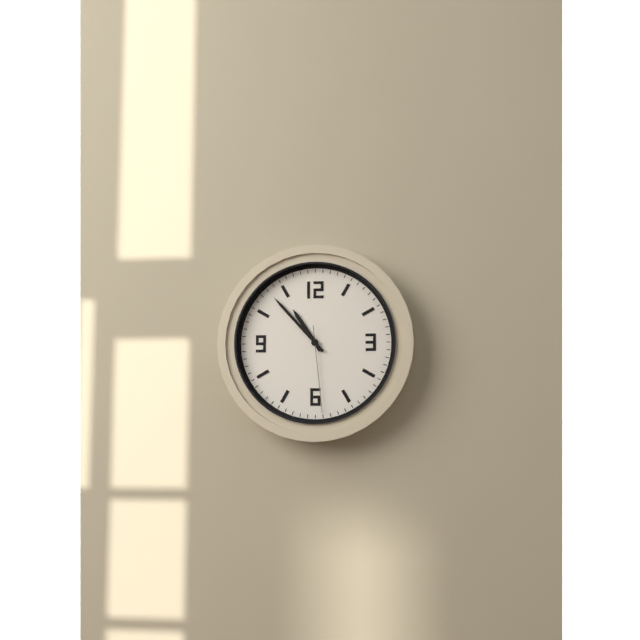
**10:53:29**
